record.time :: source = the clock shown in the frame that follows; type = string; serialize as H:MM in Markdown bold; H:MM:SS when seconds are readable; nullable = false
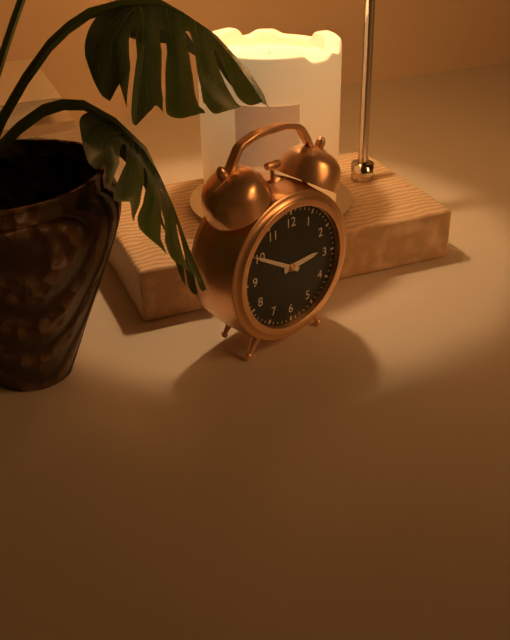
**2:50**
